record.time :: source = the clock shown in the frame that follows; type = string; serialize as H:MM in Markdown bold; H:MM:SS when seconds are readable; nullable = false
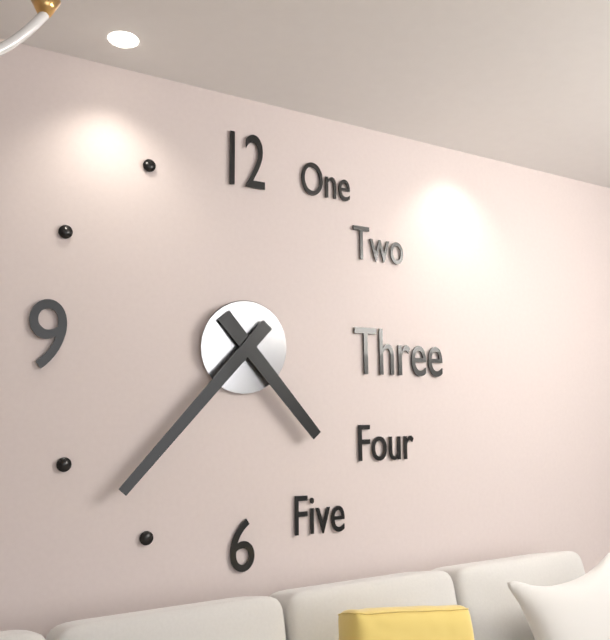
**4:37**
